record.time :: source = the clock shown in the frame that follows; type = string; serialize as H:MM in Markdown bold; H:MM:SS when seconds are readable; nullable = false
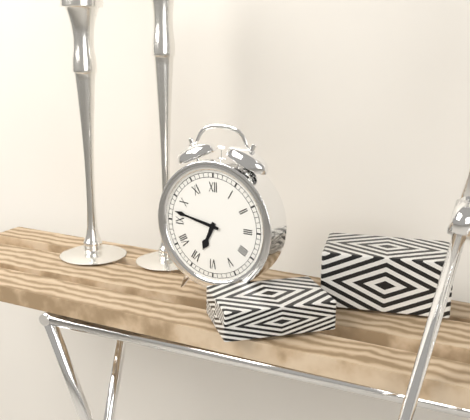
**6:47**
